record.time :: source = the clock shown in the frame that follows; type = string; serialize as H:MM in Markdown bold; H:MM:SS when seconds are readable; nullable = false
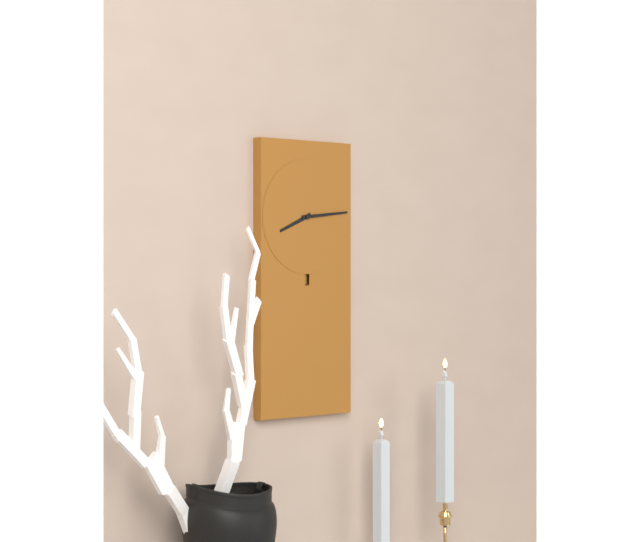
**8:14**
